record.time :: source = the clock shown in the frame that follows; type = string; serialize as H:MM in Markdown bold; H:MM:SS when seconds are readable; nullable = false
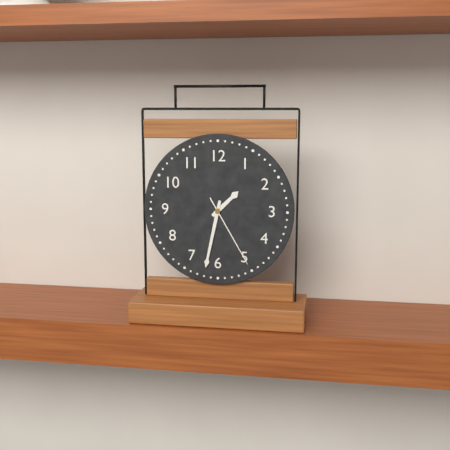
**1:32:25**
